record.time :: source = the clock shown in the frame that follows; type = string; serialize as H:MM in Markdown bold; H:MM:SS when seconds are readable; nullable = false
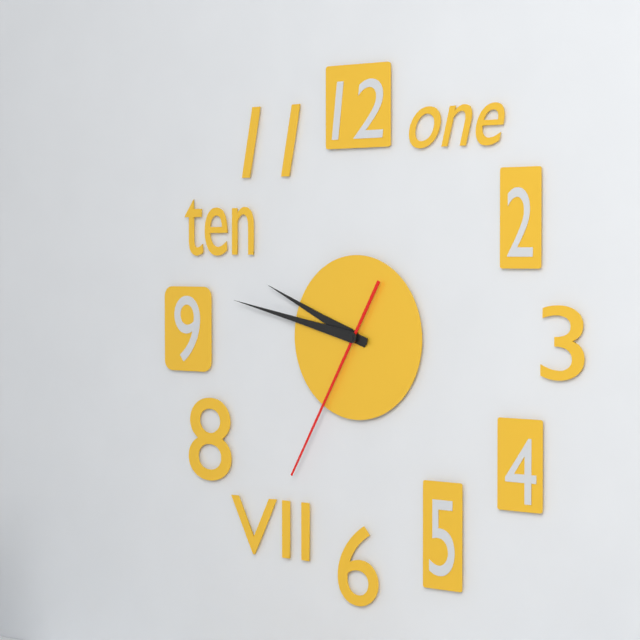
**9:47:35**
